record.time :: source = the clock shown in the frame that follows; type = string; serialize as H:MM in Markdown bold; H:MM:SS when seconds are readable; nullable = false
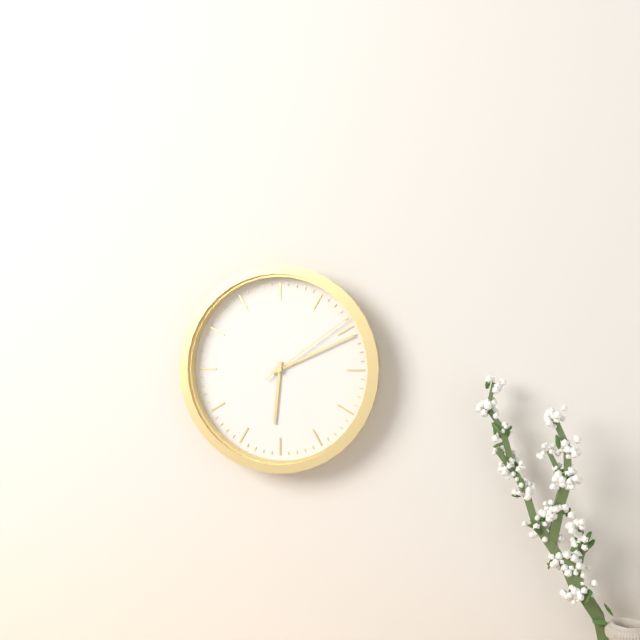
**6:11:09**
